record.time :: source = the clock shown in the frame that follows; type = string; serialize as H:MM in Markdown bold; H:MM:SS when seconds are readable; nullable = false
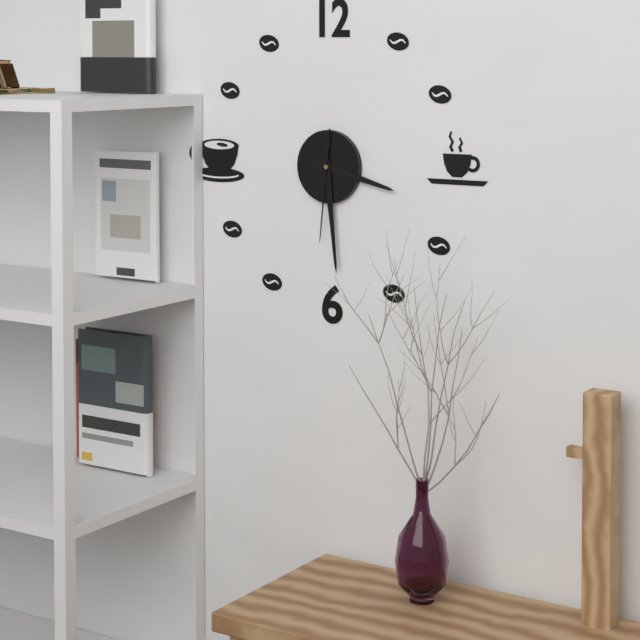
**3:29:31**
